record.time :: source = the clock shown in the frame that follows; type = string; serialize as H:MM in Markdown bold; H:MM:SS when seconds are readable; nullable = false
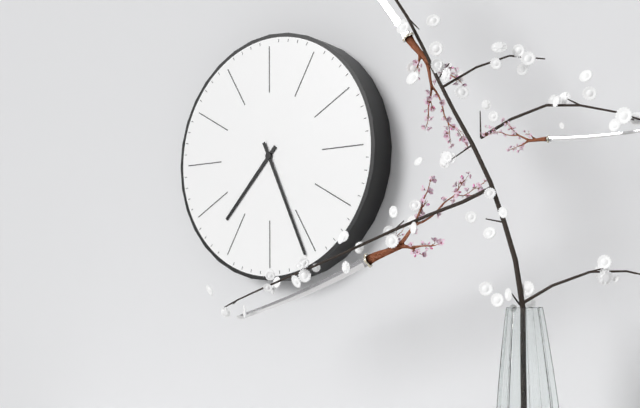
**7:26**
